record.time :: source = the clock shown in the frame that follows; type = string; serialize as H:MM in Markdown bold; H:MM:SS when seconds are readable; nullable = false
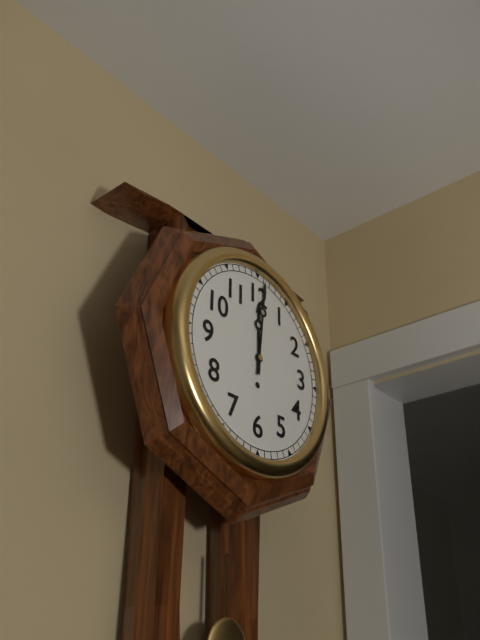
**12:01**
